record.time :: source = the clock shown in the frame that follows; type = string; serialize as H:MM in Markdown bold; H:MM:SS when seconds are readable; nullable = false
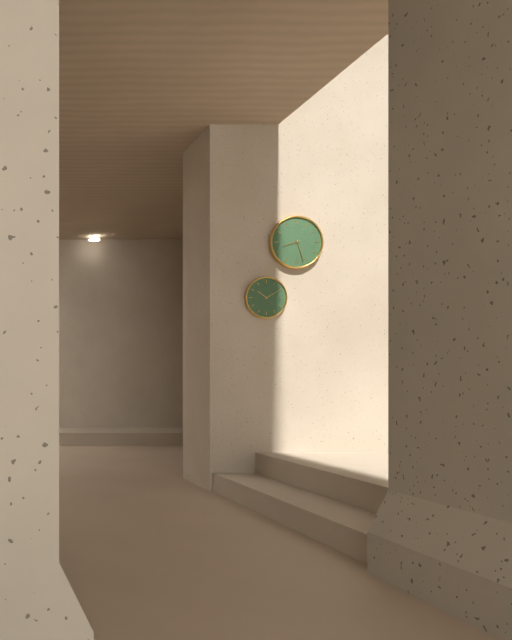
**8:27**
